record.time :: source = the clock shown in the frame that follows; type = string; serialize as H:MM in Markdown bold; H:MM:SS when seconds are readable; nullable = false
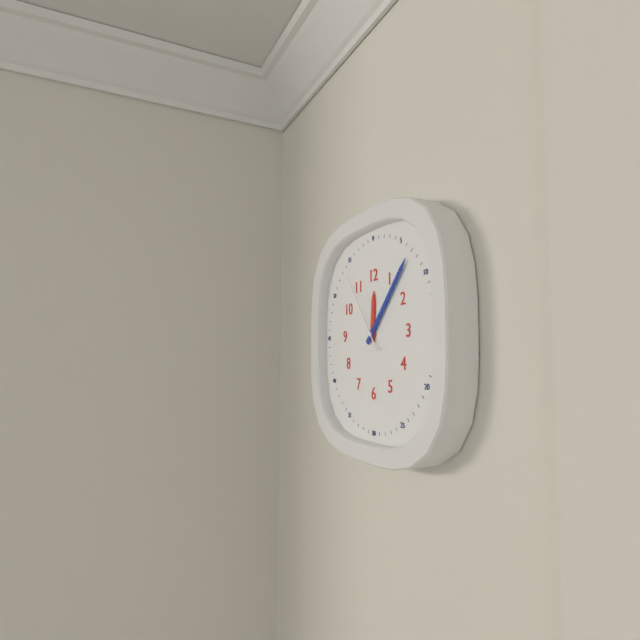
**12:07:54**
